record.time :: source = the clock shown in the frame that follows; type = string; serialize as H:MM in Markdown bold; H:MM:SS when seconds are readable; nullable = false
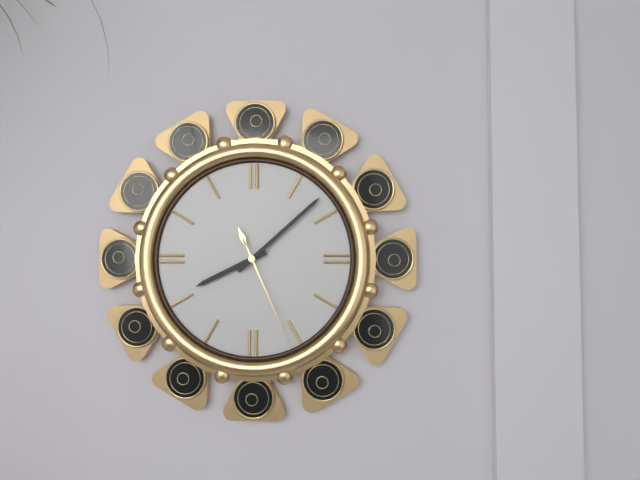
**8:08:26**
